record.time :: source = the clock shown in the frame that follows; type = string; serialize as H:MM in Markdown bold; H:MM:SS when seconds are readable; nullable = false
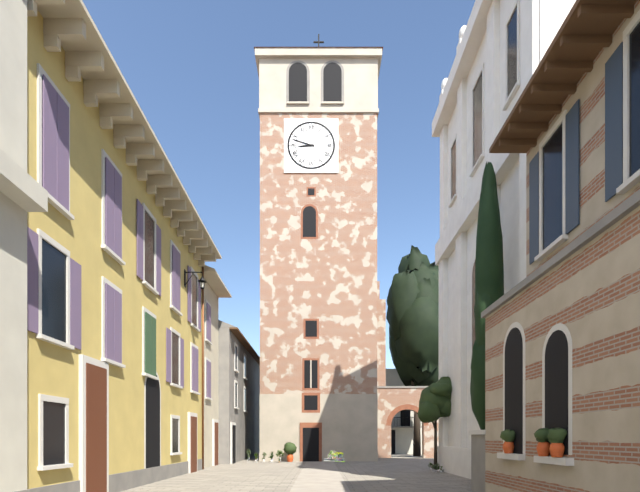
**8:48**
